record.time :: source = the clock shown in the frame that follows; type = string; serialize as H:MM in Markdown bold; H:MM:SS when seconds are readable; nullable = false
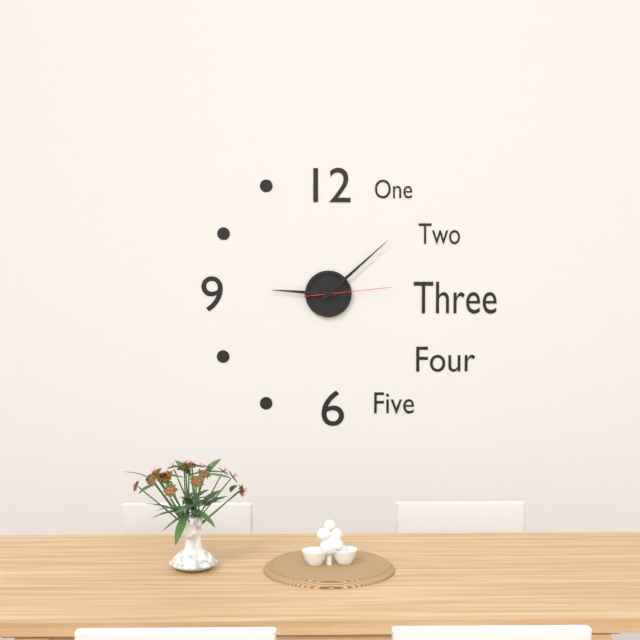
**9:08:14**
